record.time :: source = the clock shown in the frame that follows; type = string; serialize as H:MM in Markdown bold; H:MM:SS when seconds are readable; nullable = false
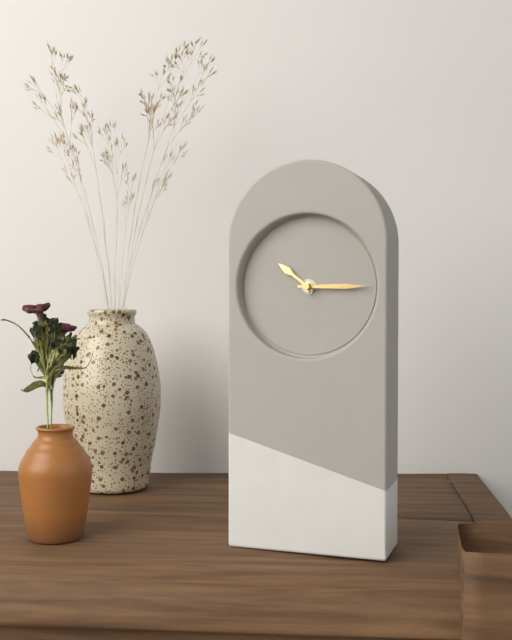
**10:15**
